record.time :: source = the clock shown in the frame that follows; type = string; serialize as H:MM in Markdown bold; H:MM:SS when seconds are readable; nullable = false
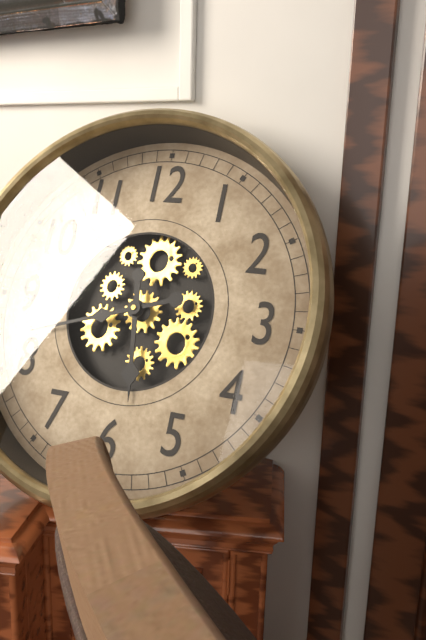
**5:42**
